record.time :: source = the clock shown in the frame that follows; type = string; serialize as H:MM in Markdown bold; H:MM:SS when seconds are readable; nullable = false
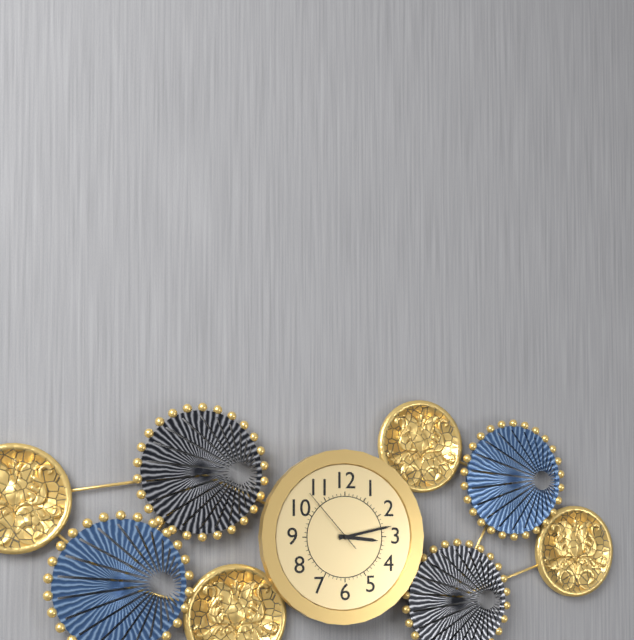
**3:13:53**
